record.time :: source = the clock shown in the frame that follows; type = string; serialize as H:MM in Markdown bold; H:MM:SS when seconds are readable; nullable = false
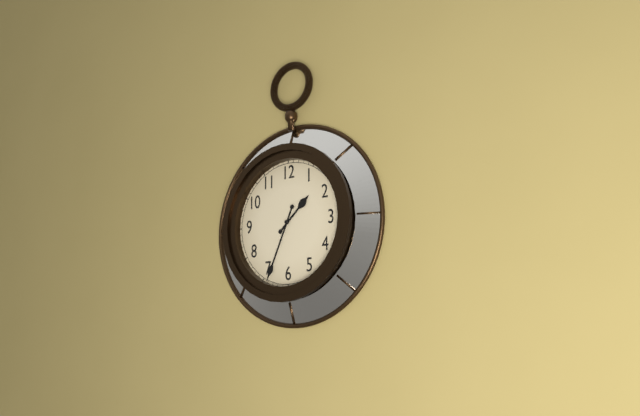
**1:34**
